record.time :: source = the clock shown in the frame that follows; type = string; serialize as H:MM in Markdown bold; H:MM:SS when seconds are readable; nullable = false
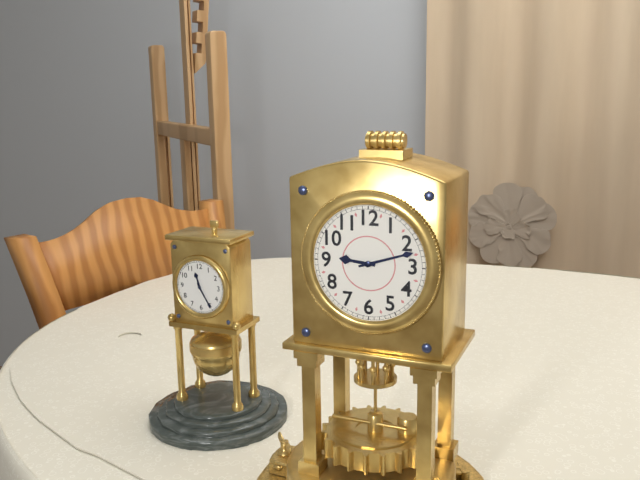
**9:12**
